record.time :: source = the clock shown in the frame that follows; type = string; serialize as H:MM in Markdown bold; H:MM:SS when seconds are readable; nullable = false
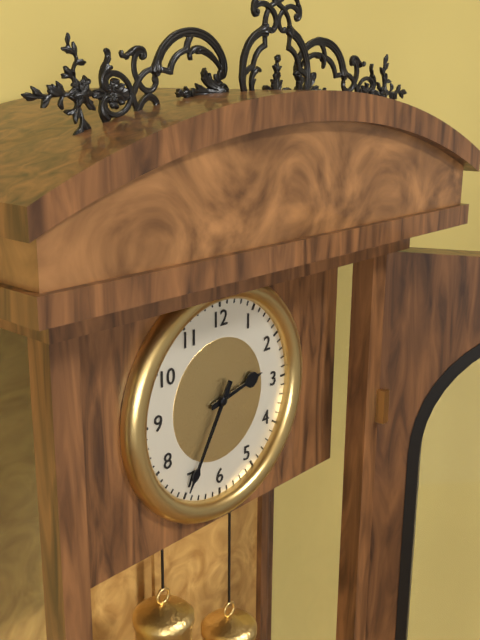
**2:35**
